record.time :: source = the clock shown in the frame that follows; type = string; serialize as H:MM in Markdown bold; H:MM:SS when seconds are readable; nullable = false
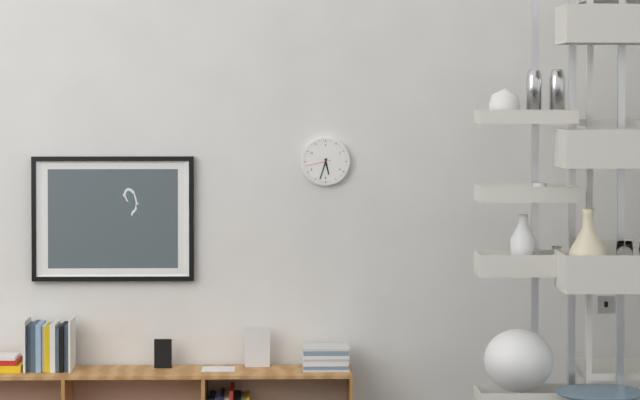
**5:33**
